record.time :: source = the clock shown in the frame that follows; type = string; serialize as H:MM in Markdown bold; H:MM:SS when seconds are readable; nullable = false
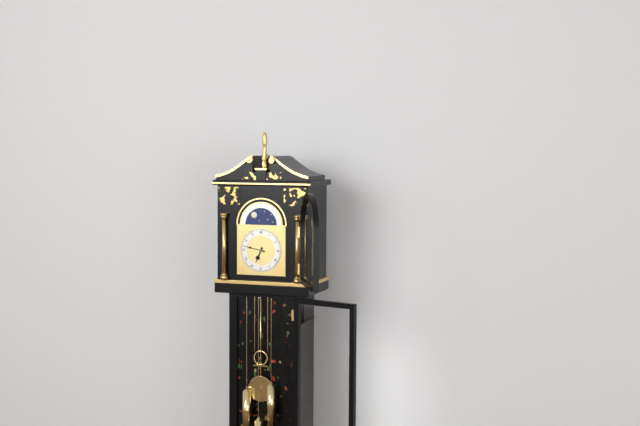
**6:47**
